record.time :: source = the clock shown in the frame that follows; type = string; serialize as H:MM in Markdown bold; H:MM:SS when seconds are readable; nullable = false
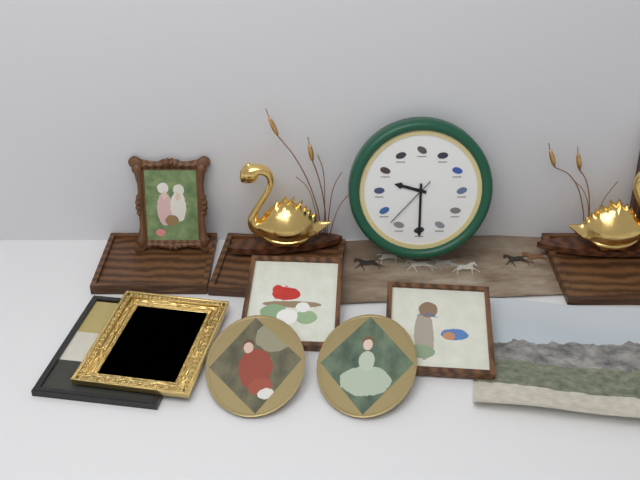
**9:30:37**
